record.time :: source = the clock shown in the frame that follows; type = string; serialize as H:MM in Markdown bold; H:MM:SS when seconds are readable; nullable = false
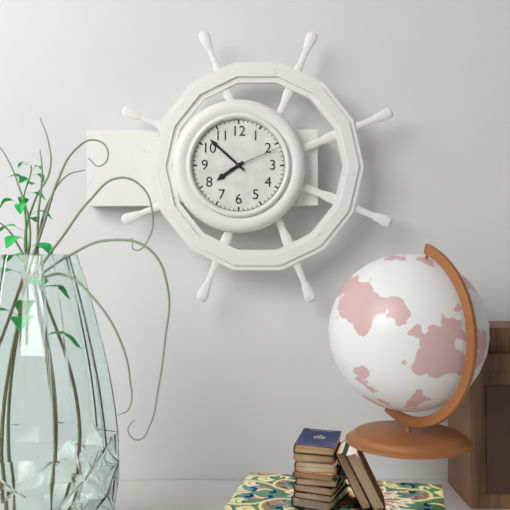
**7:52:11**
